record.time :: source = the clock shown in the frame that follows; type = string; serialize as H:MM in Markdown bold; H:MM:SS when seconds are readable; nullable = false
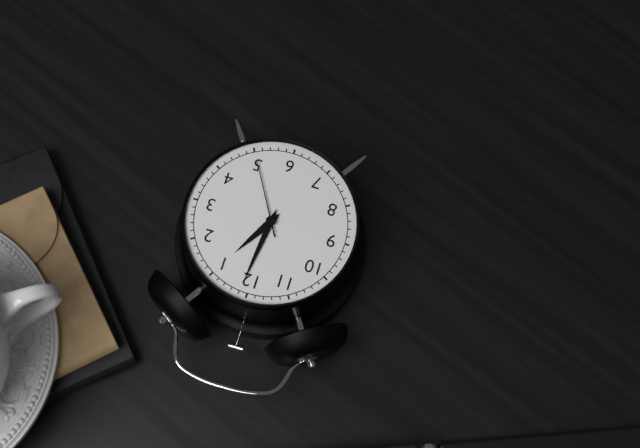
**1:01:25**
